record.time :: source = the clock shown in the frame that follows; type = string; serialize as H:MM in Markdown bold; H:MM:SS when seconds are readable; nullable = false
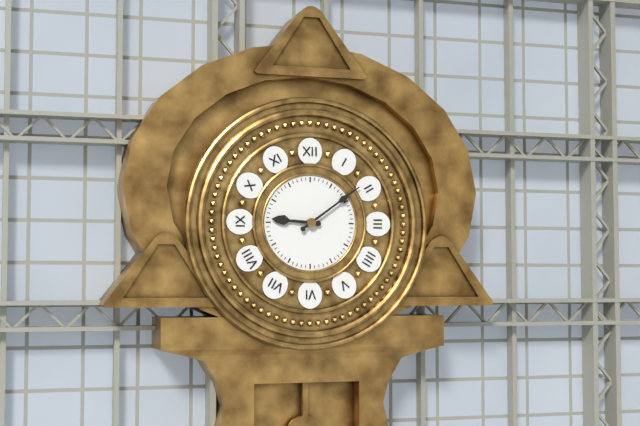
**9:09**
